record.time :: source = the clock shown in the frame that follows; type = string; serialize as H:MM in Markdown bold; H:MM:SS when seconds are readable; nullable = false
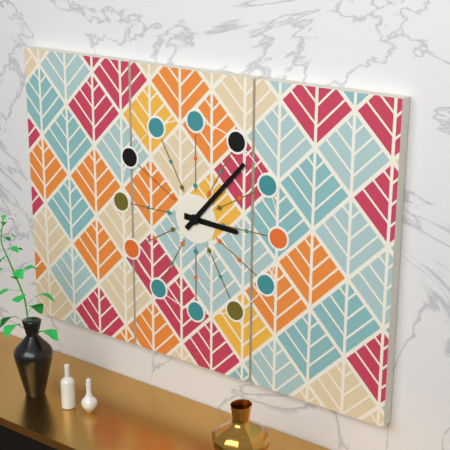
**3:07**
